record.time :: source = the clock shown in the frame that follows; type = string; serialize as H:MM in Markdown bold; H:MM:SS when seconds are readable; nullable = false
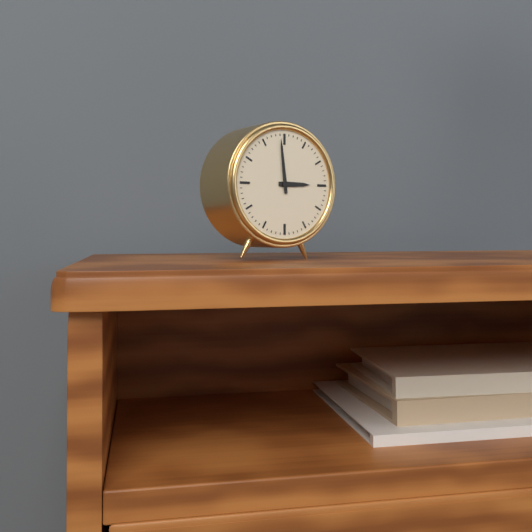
**2:59**
